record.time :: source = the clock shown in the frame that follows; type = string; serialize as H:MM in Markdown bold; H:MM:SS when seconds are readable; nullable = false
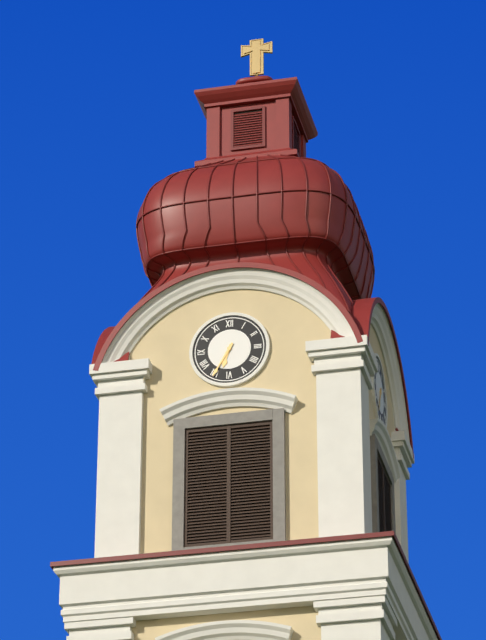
**6:35**
